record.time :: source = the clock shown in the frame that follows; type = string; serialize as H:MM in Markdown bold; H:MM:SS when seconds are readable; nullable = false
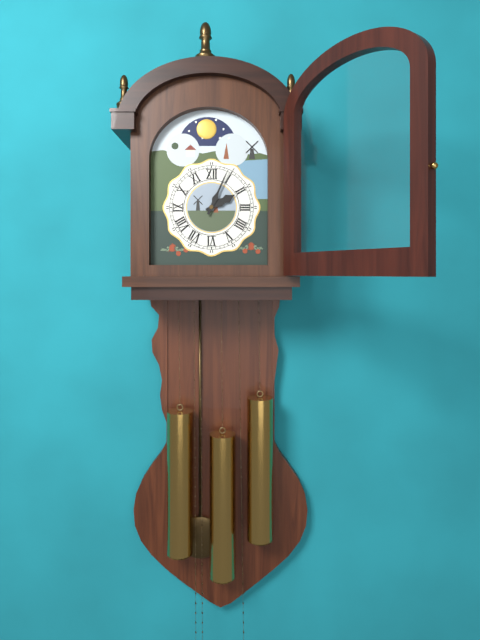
**2:04**
